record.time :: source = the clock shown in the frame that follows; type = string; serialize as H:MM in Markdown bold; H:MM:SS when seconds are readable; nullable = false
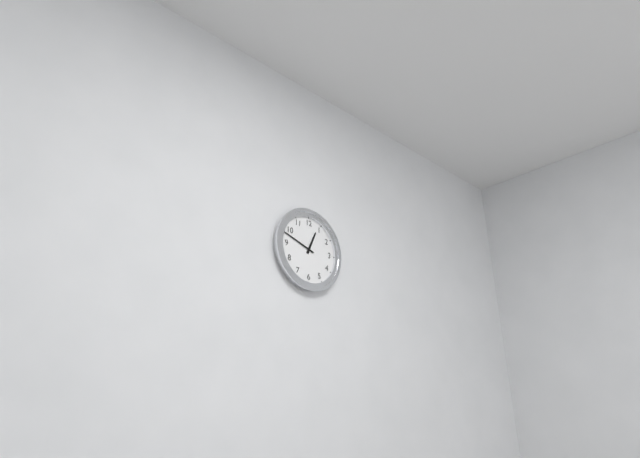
**12:48**
